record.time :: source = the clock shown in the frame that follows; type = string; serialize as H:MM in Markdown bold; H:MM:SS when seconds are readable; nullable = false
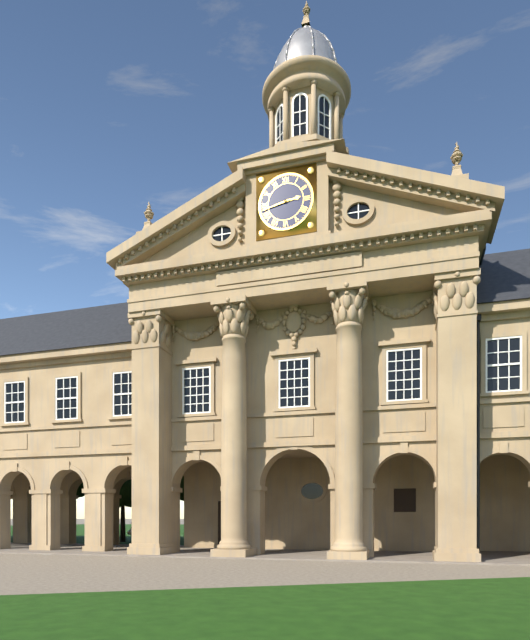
**2:43**
